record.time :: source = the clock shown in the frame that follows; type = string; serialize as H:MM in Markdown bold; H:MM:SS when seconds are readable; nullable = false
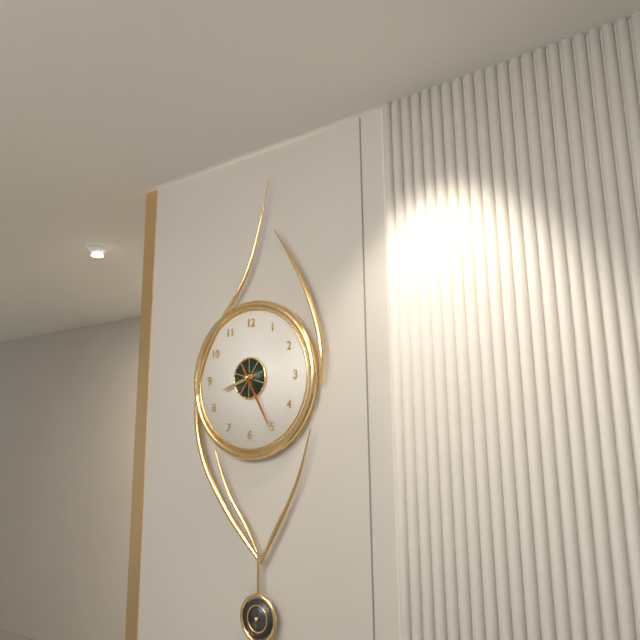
**8:25:25**
